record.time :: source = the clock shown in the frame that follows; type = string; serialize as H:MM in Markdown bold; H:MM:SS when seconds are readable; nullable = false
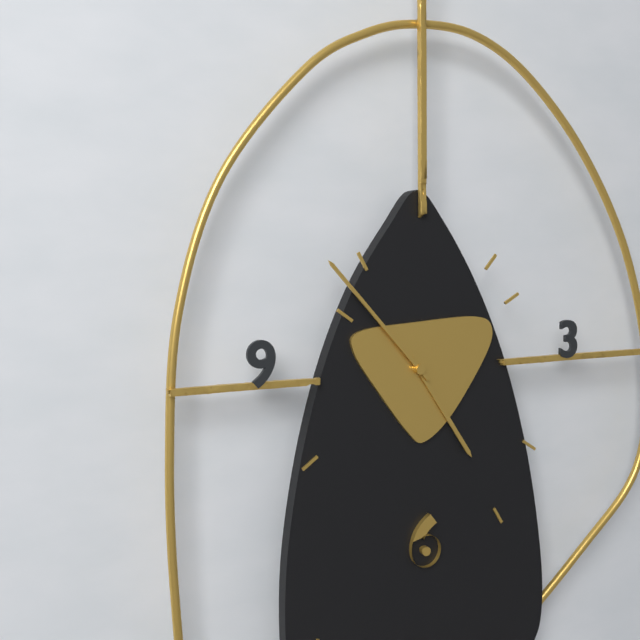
**4:53**
